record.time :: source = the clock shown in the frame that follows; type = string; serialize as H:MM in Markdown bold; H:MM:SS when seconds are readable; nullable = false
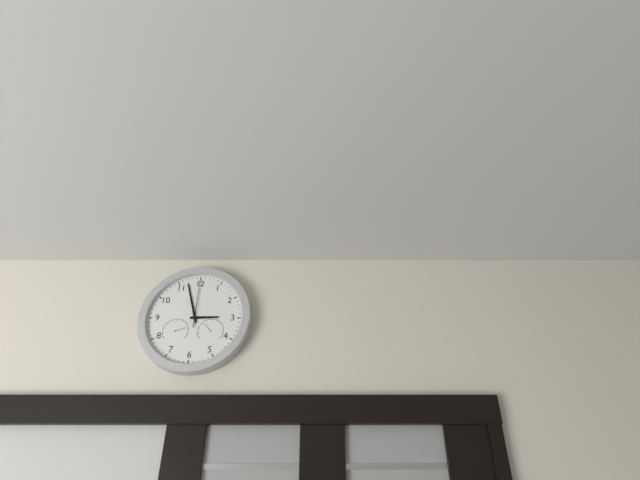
**2:57**
